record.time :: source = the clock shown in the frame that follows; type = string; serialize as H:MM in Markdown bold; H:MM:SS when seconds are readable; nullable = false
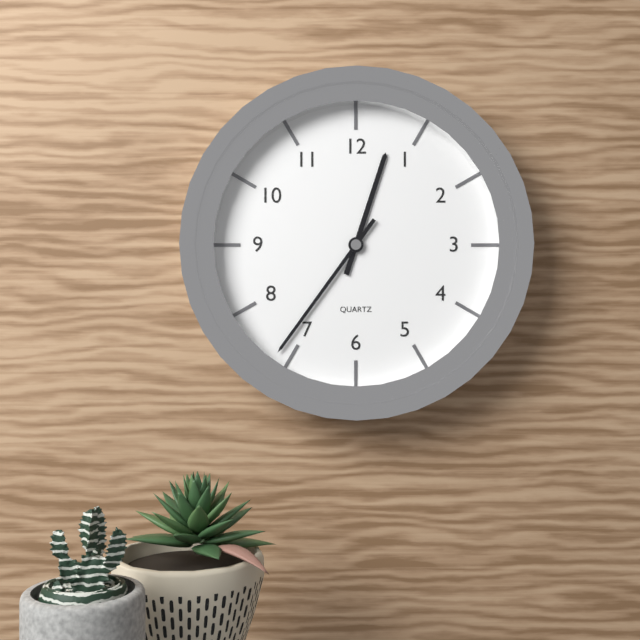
**12:36**
